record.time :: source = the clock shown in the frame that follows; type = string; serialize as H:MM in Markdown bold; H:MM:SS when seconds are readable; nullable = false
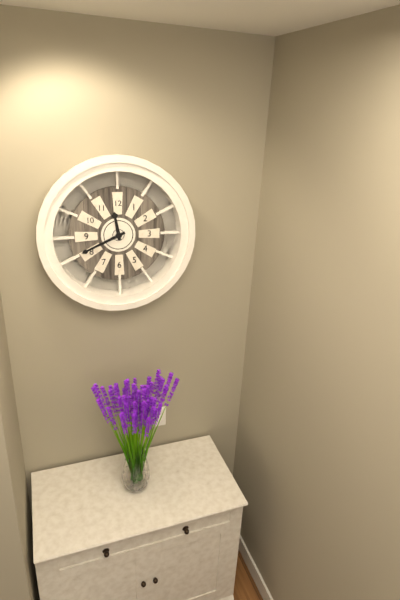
**11:41**
